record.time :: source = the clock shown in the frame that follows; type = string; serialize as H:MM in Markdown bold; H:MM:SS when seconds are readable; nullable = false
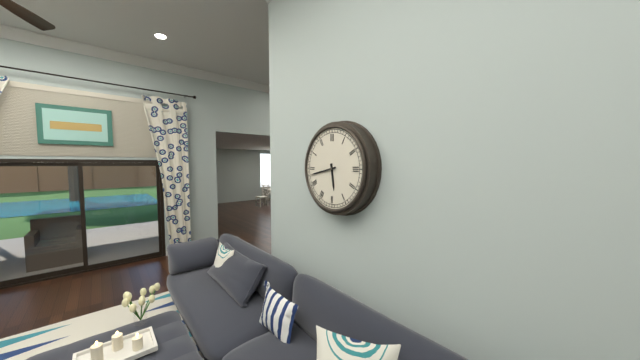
**5:43**
